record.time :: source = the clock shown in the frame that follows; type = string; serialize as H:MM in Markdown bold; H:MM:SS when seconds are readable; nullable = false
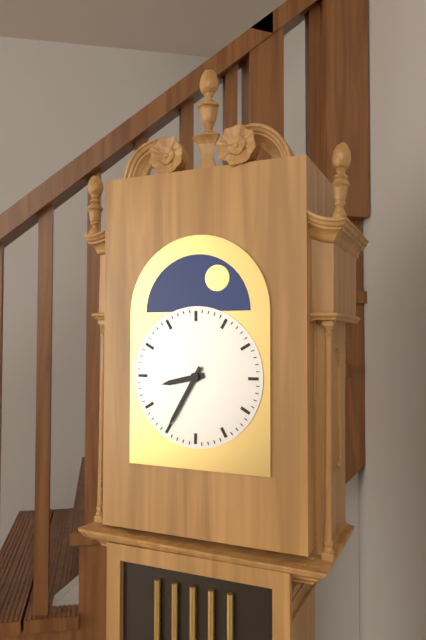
**8:35**
